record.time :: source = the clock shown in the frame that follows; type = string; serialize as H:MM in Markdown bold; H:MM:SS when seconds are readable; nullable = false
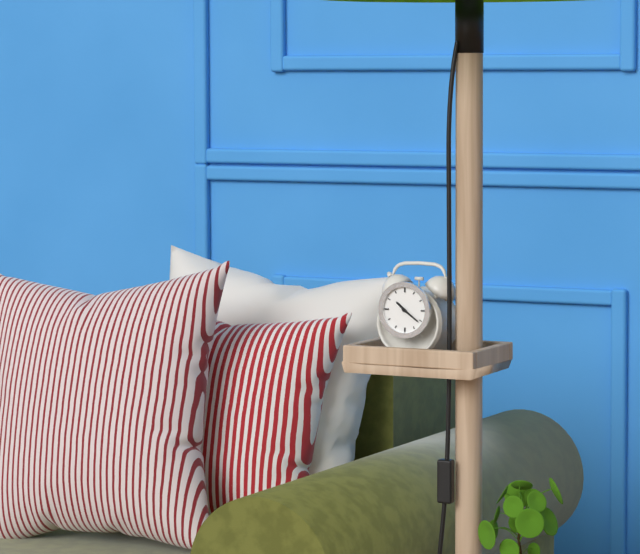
**10:21**
